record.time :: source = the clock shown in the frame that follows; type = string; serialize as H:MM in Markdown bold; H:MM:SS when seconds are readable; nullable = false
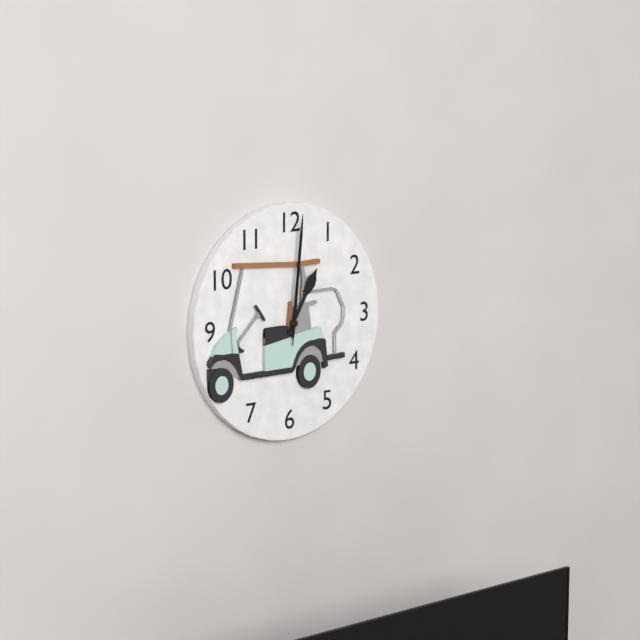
**1:01:01**
